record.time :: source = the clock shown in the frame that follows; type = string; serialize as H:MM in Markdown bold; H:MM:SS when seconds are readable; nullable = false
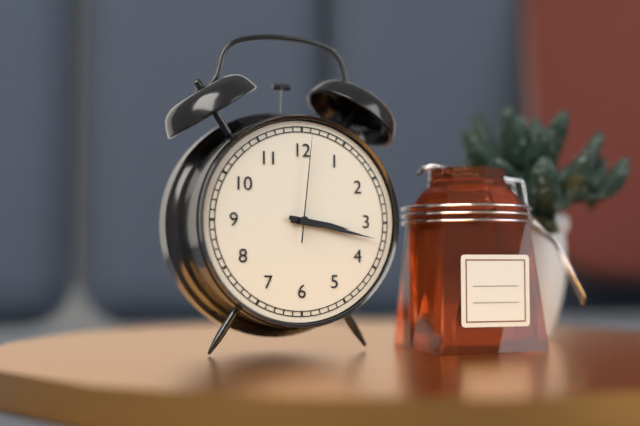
**3:17:01**
